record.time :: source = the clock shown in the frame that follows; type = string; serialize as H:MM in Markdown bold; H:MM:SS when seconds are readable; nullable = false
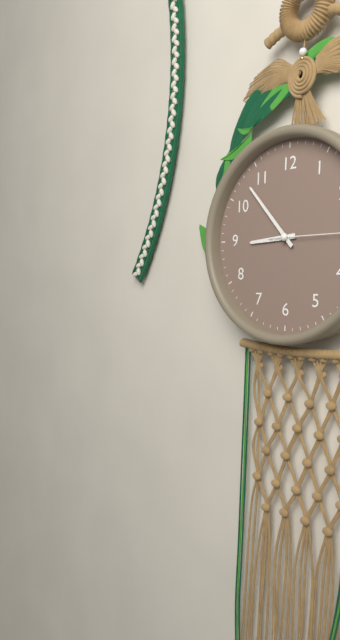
**8:53**
